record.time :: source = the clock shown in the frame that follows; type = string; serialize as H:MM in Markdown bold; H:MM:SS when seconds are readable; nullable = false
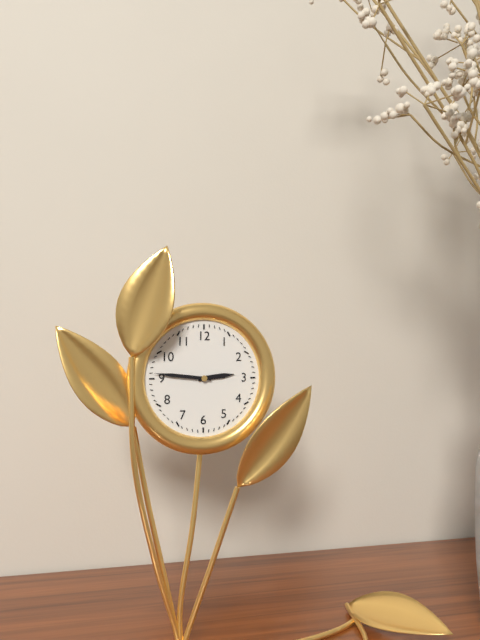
**2:46**
